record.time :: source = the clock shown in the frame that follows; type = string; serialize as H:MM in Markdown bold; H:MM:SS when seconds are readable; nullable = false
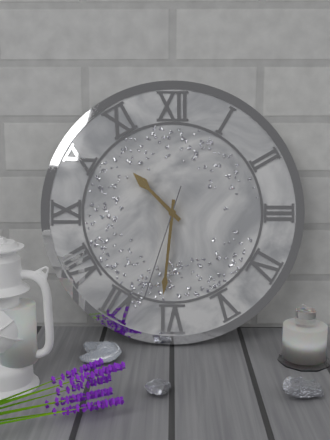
**10:31:33**
